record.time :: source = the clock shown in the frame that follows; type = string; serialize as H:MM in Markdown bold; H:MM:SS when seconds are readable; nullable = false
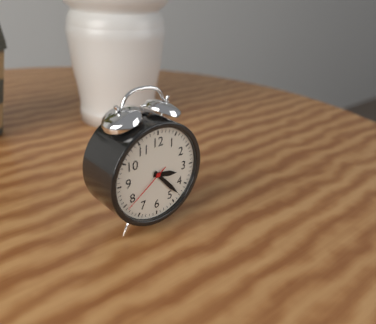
**3:23:39**
